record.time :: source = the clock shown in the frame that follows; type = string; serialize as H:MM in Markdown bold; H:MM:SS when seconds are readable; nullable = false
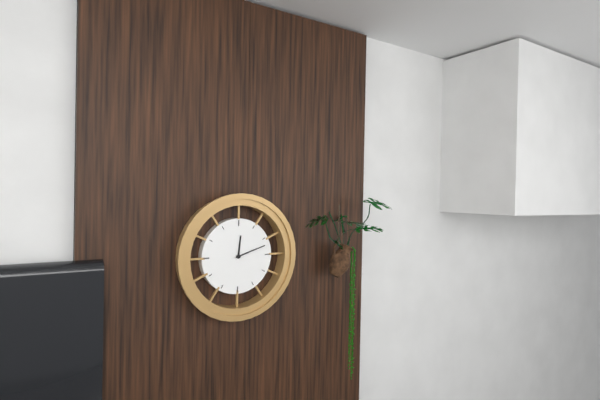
**12:12**
